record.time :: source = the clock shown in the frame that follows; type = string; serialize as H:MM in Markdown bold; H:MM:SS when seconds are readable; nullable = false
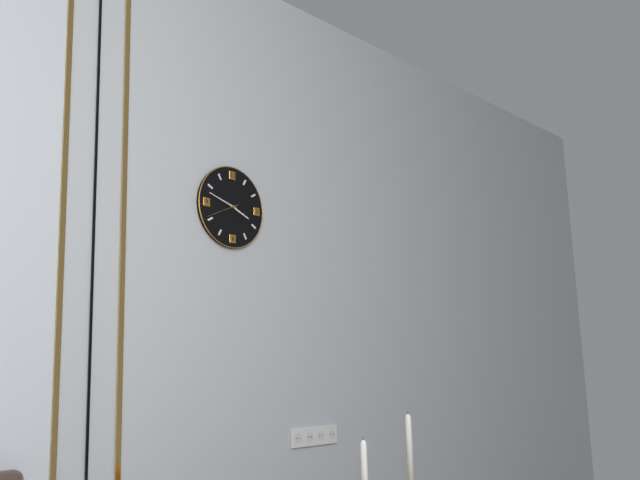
**3:48**
